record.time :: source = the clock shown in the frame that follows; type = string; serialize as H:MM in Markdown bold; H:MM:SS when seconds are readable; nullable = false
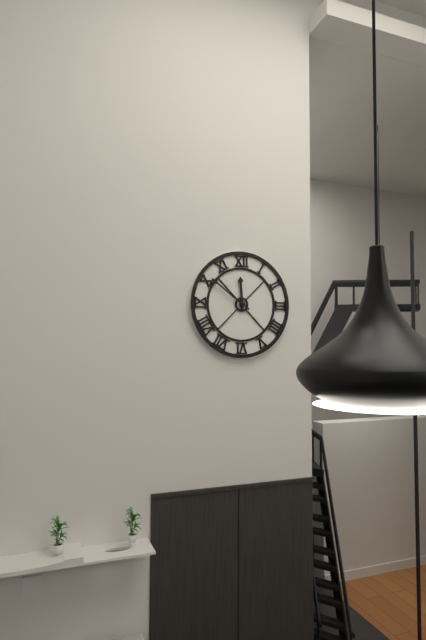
**11:51**
